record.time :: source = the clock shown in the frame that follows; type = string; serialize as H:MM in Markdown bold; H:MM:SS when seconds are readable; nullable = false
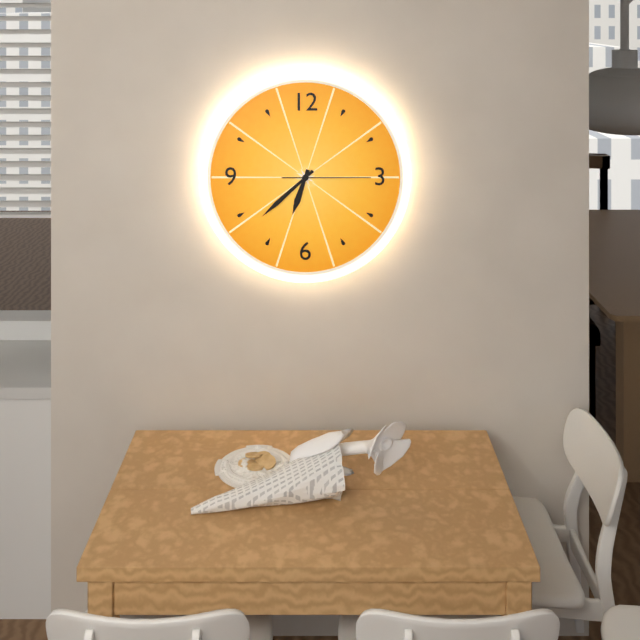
**6:38:15**
